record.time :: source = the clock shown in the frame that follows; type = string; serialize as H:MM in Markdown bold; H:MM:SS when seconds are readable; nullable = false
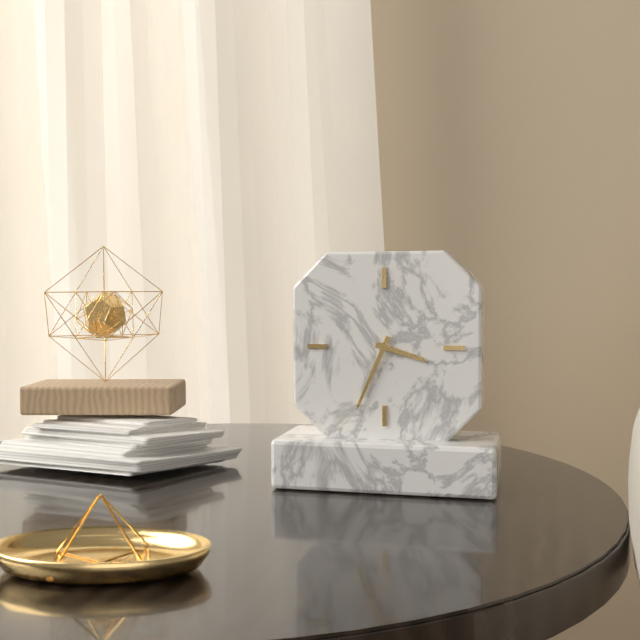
**3:34**
